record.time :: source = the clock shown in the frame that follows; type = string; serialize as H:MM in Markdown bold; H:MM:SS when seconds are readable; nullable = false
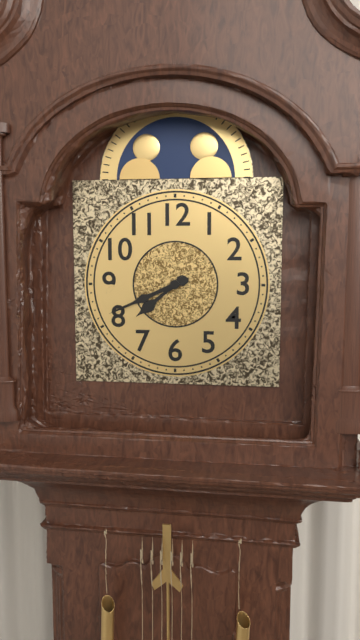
**7:41**
